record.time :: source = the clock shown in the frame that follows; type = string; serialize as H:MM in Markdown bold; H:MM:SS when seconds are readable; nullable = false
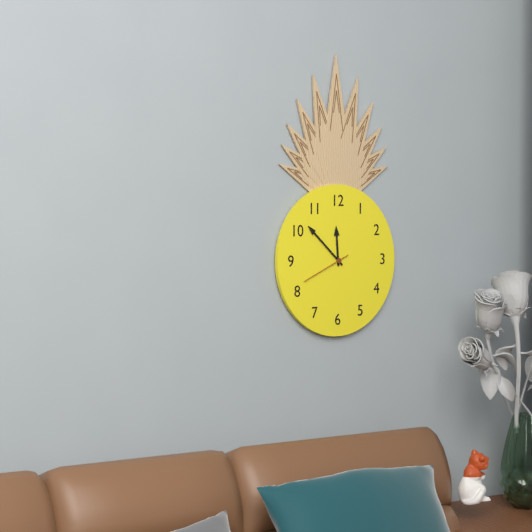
**11:52**
